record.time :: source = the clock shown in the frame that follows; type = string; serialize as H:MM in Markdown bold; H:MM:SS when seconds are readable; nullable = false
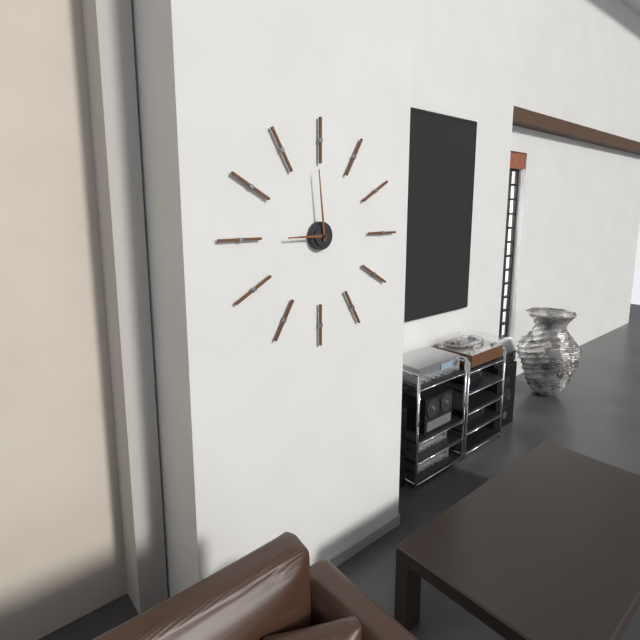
**8:59**
